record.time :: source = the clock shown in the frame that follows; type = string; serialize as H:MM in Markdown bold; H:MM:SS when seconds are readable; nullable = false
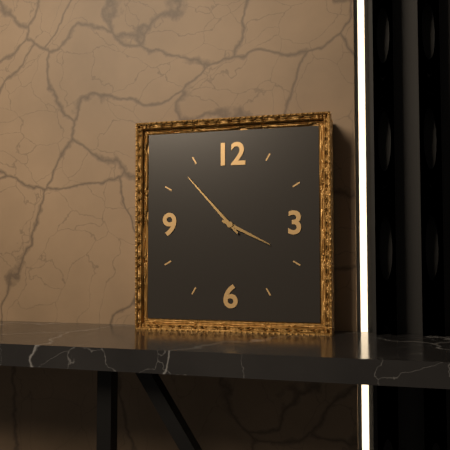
**3:53**
